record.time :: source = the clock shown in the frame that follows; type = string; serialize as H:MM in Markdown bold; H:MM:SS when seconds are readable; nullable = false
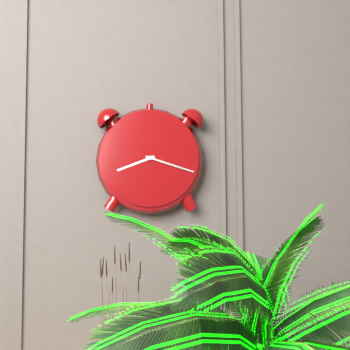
**8:18**
